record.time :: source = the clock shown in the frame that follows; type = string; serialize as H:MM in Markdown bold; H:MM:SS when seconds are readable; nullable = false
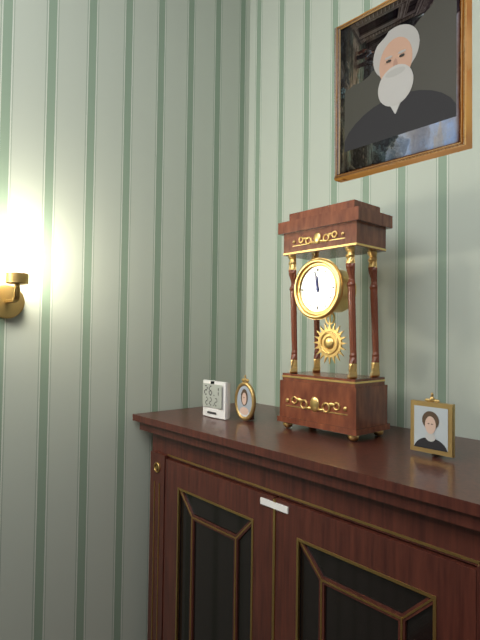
**11:58**
